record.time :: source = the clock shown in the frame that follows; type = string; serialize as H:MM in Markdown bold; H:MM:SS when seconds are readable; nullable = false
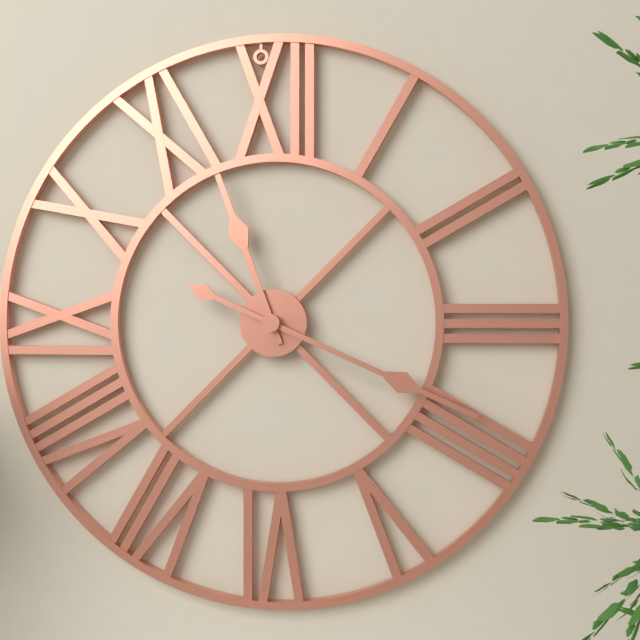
**11:19**
